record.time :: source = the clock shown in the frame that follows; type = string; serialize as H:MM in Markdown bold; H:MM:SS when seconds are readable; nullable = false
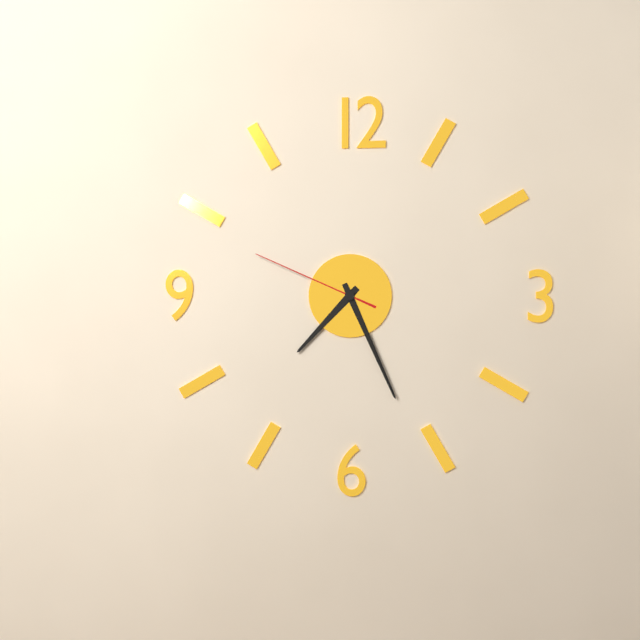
**7:26:49**
